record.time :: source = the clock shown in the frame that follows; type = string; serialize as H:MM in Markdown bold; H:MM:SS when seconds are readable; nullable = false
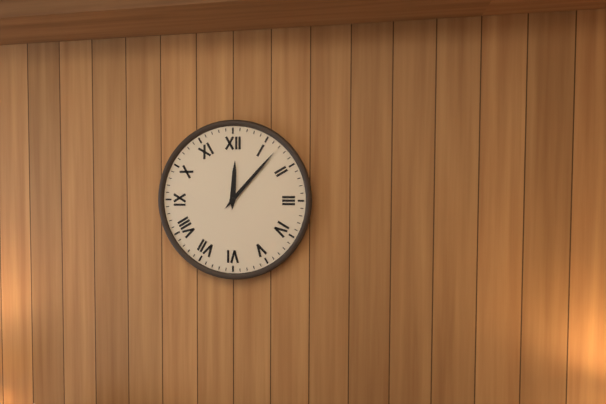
**12:07**
